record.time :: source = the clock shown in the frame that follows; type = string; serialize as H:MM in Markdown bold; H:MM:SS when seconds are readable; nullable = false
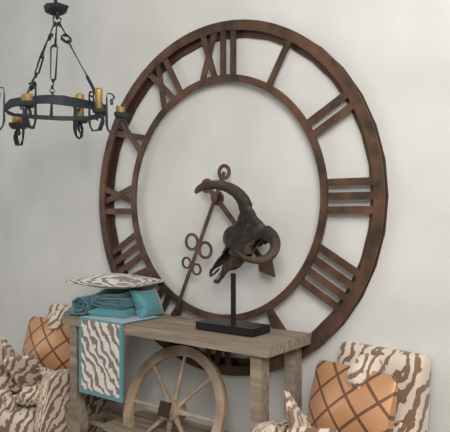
**4:34**
